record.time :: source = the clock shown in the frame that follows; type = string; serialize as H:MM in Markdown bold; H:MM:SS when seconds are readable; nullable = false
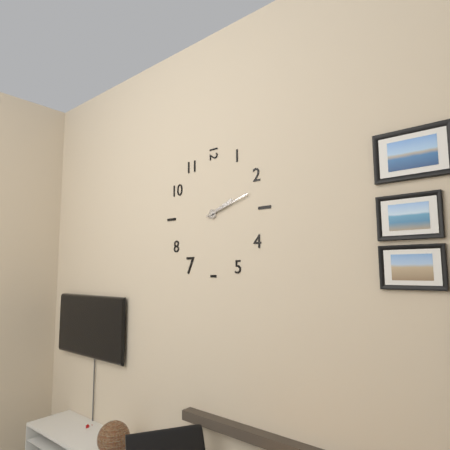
**2:12**
